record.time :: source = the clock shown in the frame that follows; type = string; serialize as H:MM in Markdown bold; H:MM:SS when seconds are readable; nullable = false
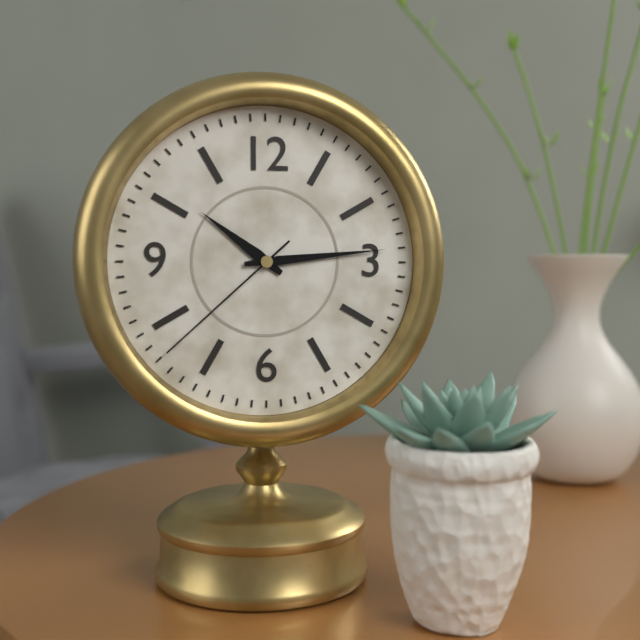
**10:14:38**
